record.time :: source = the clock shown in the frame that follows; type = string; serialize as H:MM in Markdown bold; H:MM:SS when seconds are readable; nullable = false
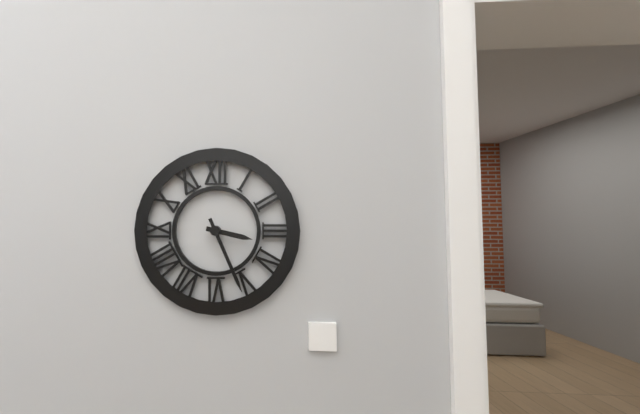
**3:26**
